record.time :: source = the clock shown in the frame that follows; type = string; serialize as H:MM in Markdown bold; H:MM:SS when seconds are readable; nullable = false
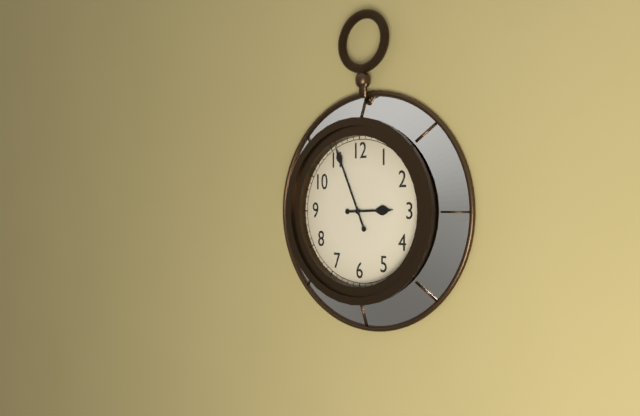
**2:56**
